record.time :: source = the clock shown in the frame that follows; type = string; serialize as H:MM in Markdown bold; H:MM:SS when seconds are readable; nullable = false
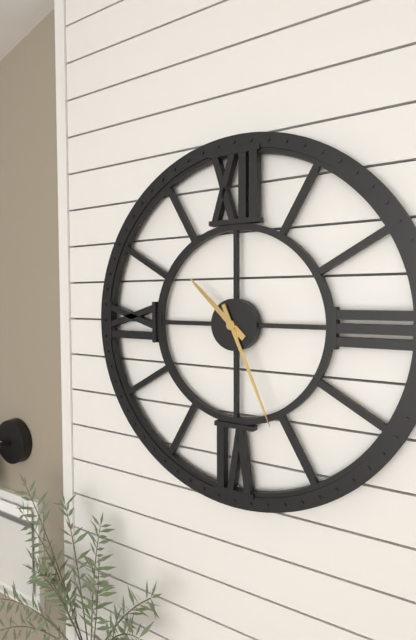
**10:26**
